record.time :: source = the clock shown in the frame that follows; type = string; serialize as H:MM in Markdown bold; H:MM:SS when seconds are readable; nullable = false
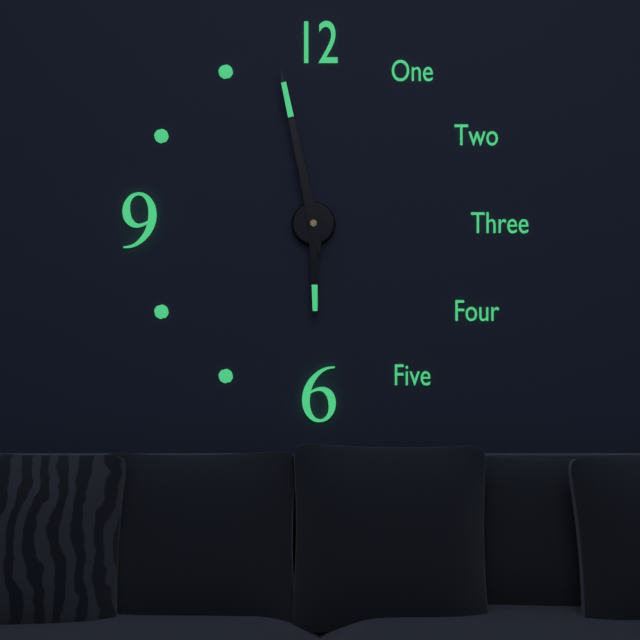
**5:58**
